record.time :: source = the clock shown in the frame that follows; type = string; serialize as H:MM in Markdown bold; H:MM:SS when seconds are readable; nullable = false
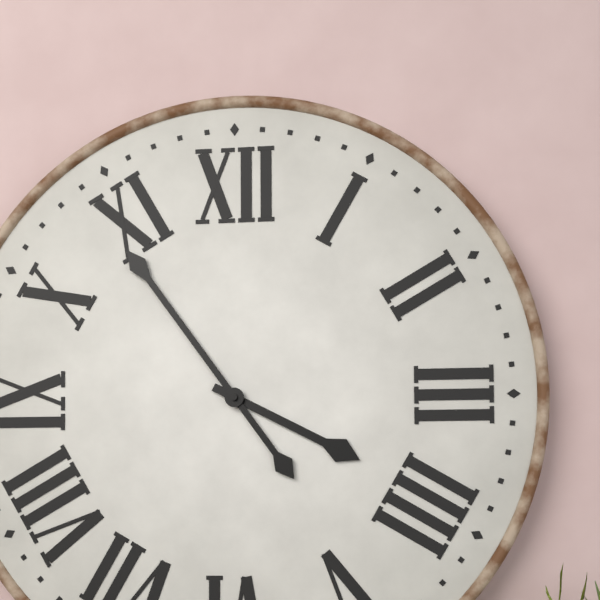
**3:54**
